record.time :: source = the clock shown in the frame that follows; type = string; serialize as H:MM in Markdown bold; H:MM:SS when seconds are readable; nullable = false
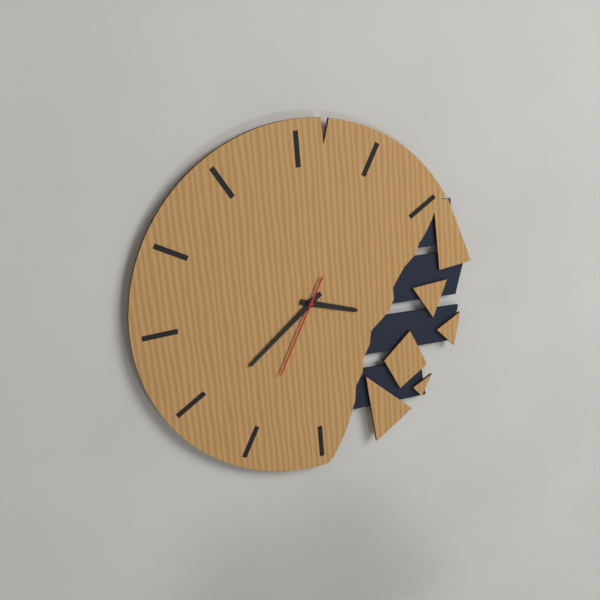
**3:39:35**
